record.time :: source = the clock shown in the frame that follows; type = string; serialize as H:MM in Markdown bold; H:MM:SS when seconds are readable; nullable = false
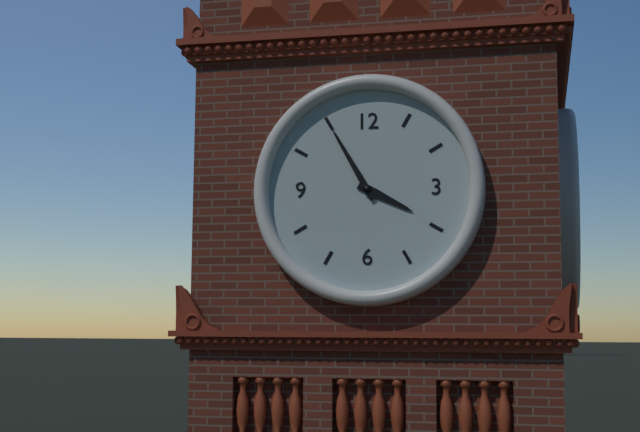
**3:55**
